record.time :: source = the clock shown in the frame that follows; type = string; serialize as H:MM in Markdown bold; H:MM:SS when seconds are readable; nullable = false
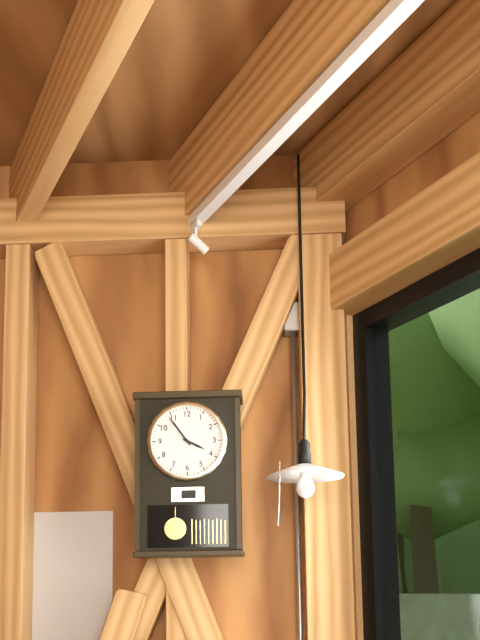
**3:54**
